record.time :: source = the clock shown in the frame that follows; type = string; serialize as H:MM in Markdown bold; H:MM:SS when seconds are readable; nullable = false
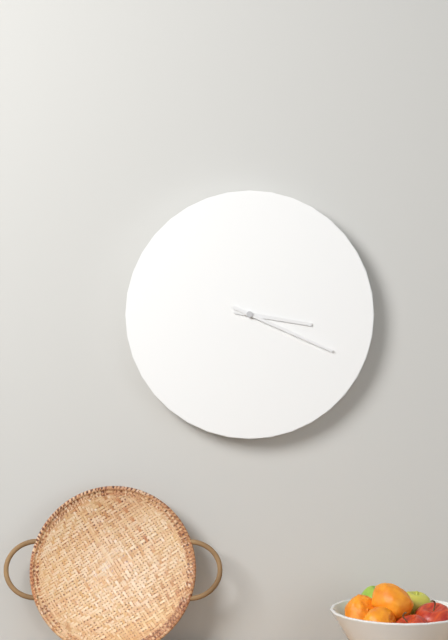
**3:19**
